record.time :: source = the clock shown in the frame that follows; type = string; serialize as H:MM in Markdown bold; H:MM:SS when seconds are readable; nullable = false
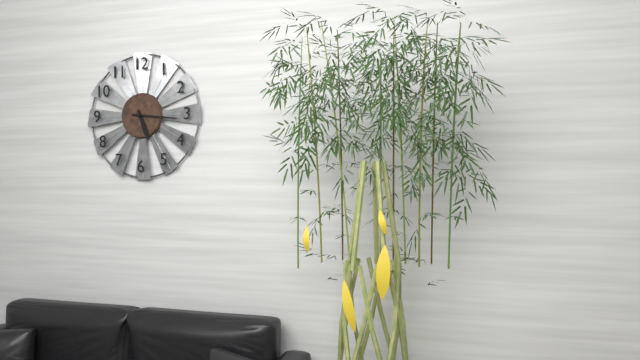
**5:16**
